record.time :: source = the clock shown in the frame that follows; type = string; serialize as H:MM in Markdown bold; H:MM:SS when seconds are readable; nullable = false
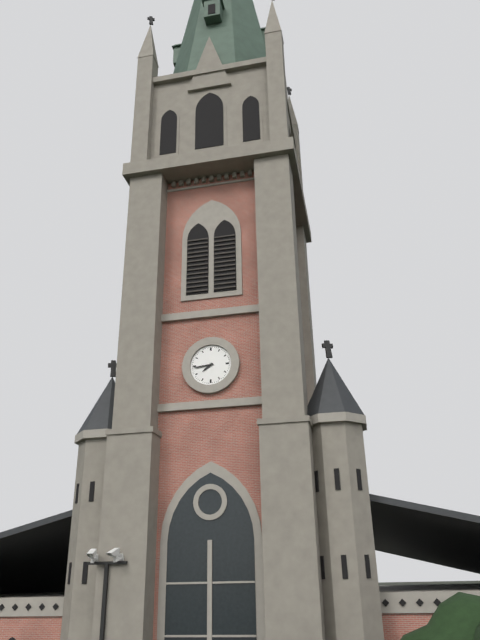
**7:44**
